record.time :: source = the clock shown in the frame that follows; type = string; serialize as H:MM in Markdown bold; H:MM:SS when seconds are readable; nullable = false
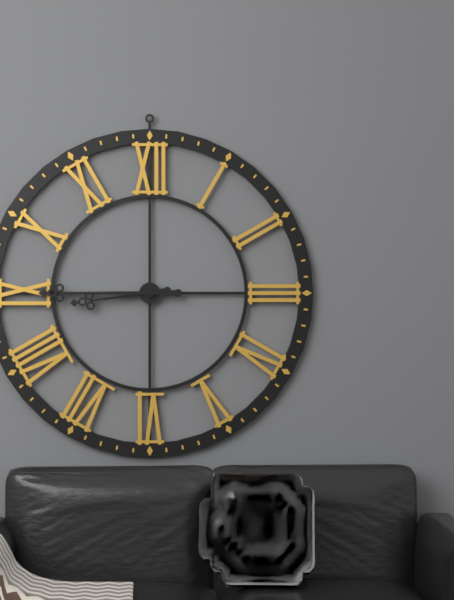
**8:45**
